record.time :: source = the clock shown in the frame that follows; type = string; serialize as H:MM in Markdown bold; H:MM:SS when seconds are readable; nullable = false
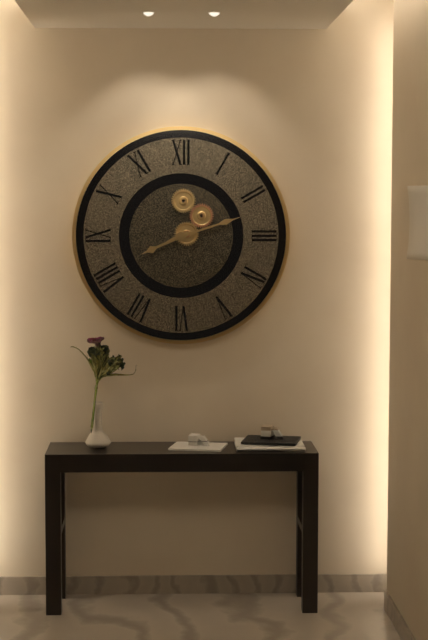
**8:12**
